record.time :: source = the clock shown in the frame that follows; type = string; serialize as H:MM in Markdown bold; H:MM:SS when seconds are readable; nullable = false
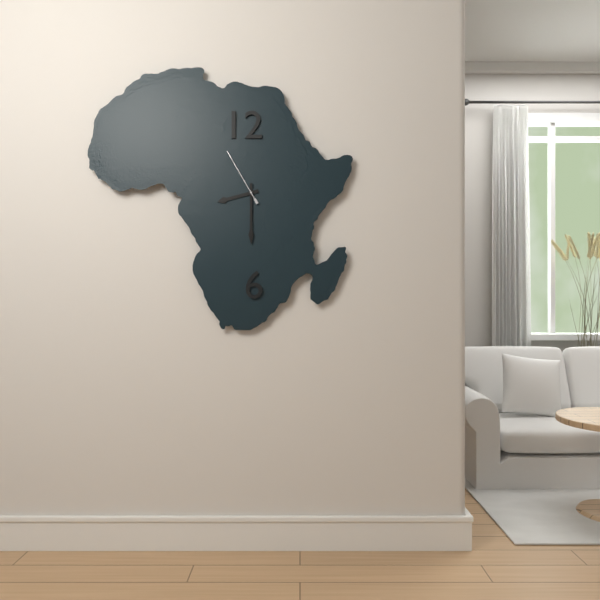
**8:30:55**
